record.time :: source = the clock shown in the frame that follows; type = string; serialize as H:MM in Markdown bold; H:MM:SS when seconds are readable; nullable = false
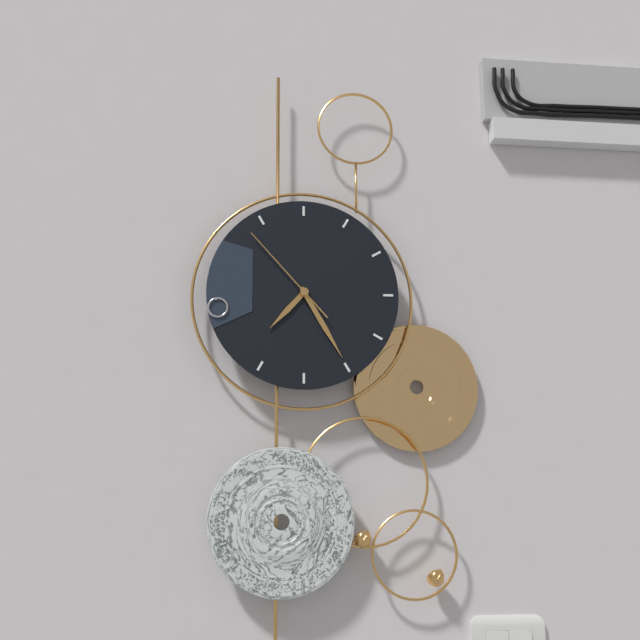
**7:25:53**
